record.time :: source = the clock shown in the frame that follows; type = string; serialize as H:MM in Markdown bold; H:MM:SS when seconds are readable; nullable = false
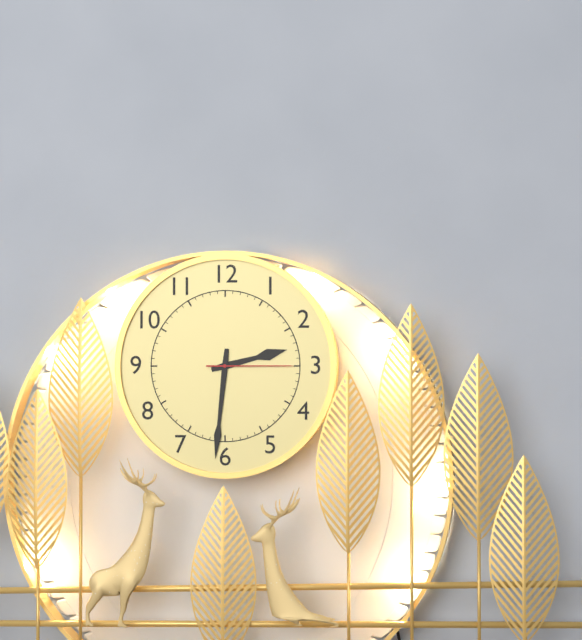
**2:31:15**
